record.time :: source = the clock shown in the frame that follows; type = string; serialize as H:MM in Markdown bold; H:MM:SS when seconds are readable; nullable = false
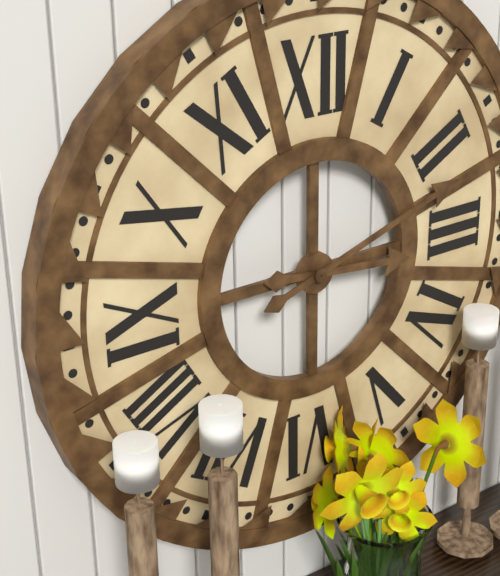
**3:12**
